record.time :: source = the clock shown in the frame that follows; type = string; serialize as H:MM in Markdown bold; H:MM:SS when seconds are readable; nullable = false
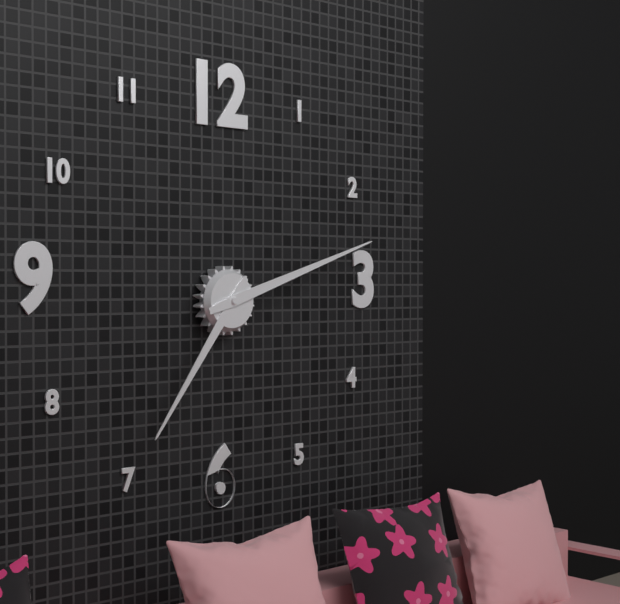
**7:12**
